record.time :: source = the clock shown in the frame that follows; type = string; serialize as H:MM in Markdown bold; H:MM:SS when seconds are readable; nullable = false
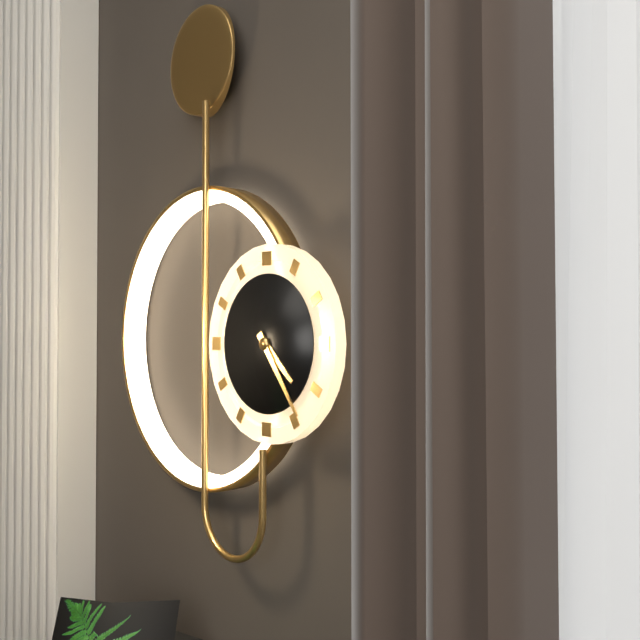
**4:24**
